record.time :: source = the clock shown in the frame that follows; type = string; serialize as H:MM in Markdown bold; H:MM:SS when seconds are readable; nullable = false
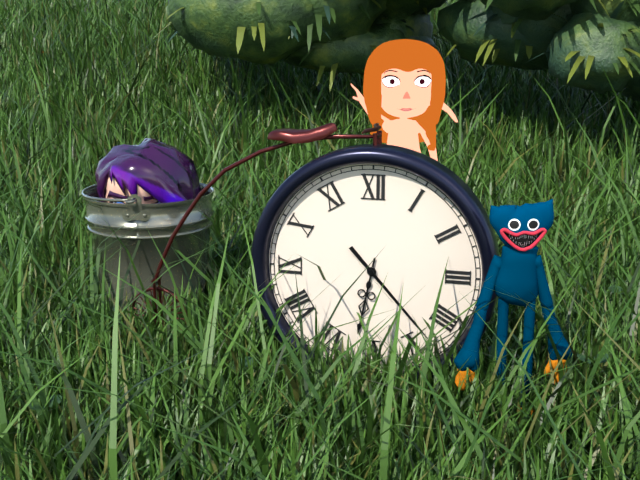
**6:23**
